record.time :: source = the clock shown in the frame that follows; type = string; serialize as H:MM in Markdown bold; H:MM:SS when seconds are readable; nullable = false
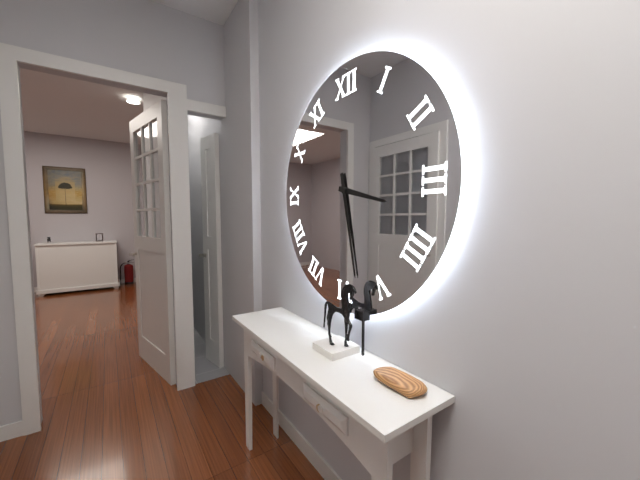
**3:28**
